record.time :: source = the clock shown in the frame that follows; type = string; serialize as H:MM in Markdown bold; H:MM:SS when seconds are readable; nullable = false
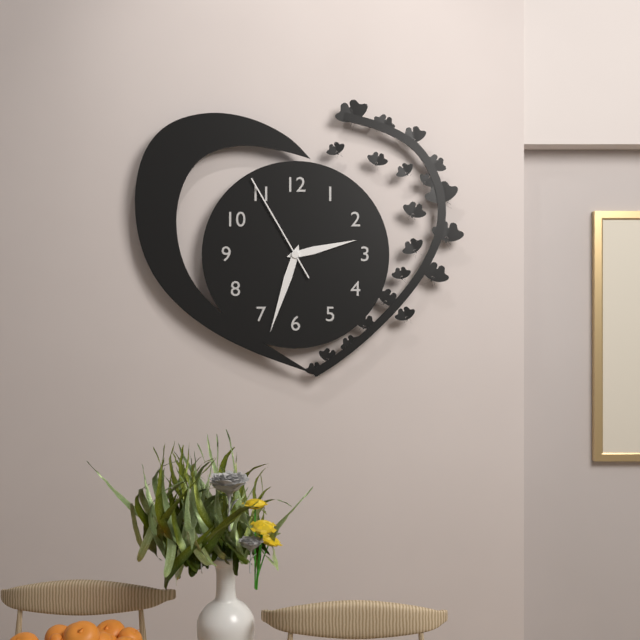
**2:33:55**
